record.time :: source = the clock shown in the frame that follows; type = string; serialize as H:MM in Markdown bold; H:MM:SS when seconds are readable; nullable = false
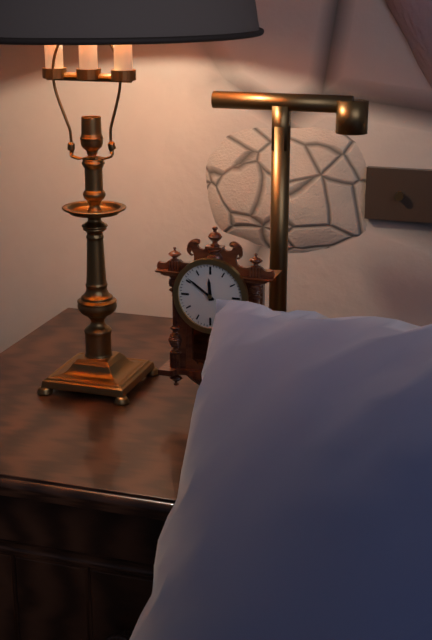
**11:51**
